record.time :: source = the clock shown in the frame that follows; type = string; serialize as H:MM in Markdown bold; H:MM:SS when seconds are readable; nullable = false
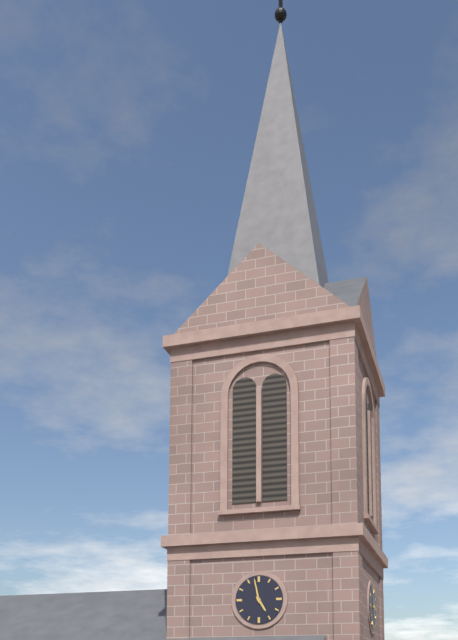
**4:58**
